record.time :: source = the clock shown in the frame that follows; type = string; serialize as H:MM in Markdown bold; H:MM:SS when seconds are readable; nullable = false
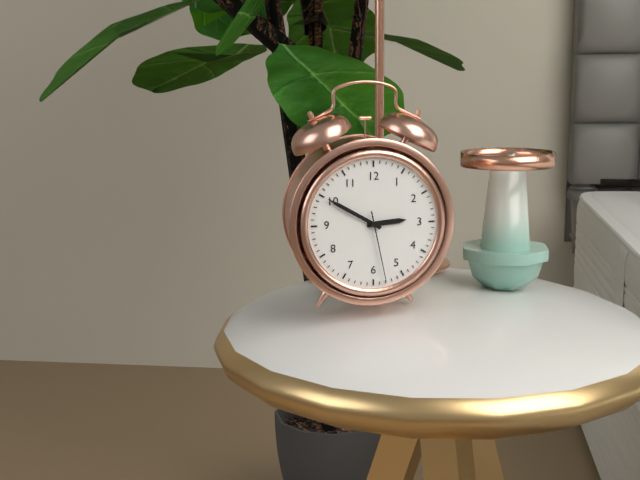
**2:50:28**
